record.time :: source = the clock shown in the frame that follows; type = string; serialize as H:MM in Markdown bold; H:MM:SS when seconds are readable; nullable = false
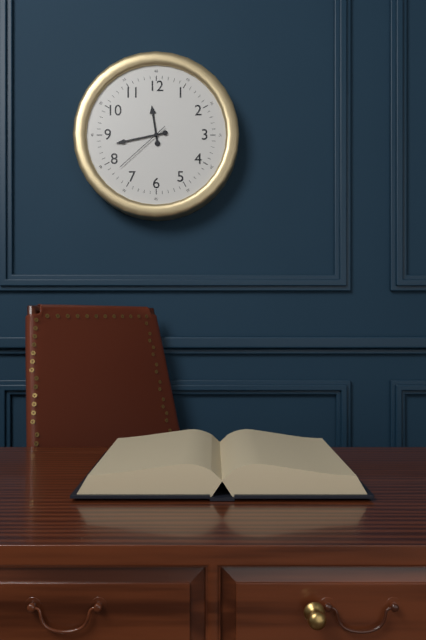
**11:43:38**
